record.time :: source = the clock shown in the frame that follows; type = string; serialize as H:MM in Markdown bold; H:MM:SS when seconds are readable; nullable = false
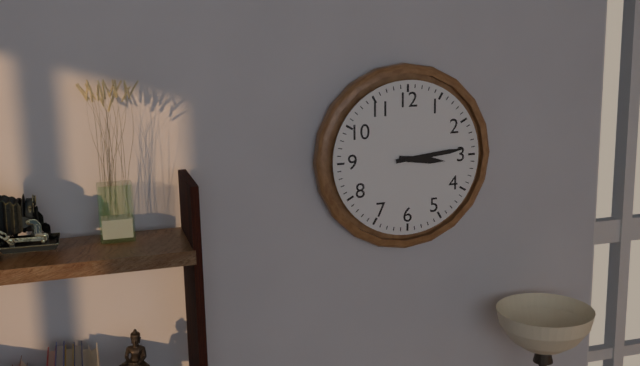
**3:14**
